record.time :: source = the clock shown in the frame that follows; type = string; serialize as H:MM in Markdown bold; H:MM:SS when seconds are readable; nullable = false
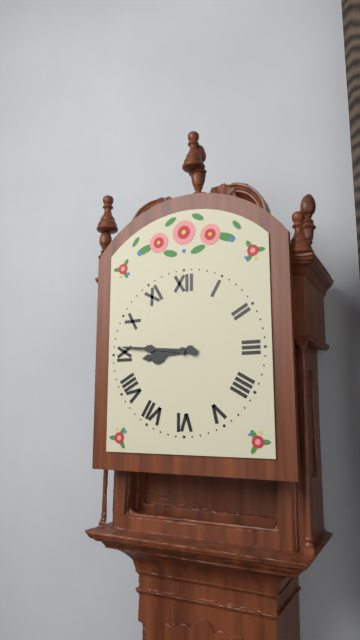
**8:46**
